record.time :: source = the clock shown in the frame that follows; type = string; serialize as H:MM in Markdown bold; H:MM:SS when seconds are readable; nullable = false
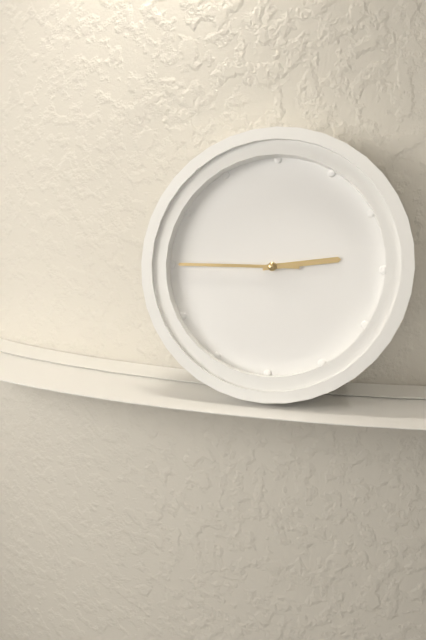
**2:45**
